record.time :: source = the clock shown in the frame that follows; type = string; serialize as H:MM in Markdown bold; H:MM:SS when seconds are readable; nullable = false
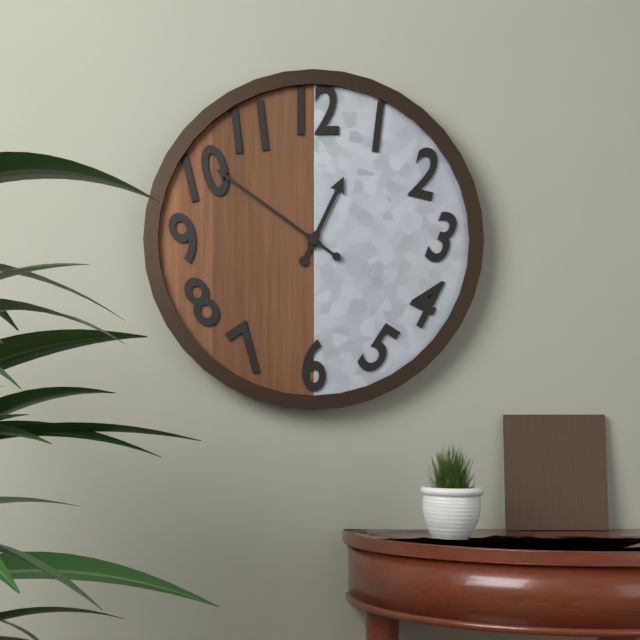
**12:51**
